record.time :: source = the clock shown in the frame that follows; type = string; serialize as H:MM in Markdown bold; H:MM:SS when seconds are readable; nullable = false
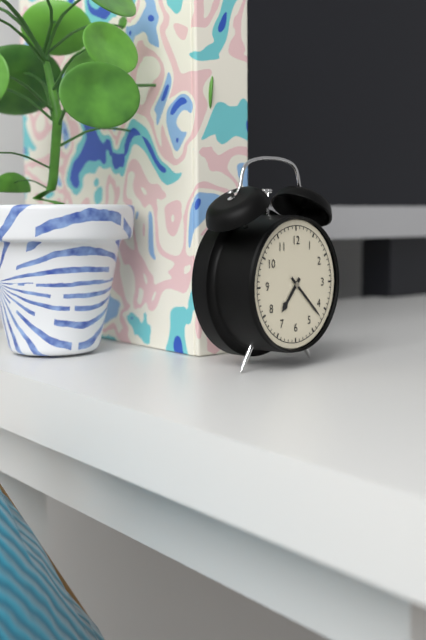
**7:22**
